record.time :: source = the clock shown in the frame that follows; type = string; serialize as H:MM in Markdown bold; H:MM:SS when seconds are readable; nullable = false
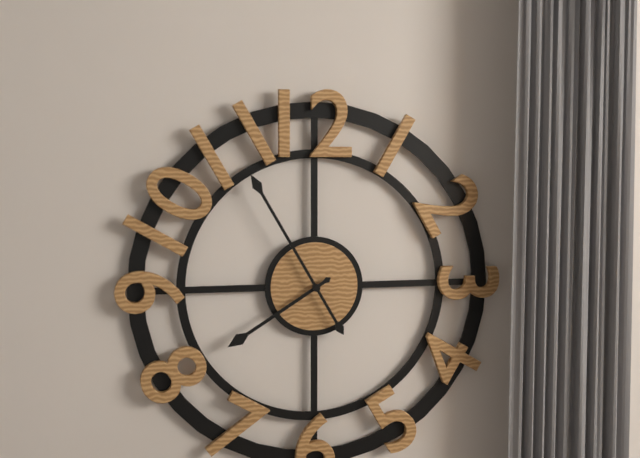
**7:55**
